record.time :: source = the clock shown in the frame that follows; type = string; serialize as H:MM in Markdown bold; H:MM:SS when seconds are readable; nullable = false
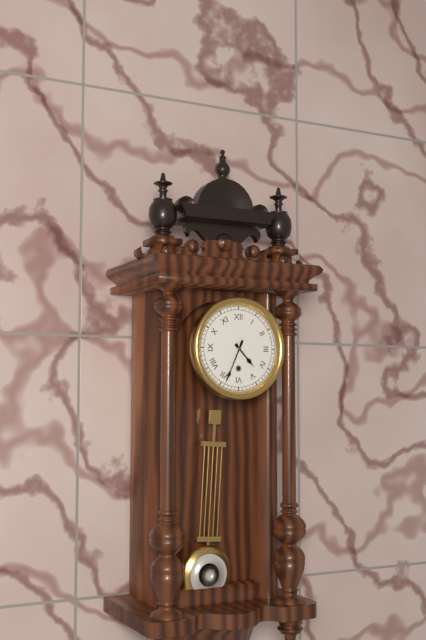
**4:34**
